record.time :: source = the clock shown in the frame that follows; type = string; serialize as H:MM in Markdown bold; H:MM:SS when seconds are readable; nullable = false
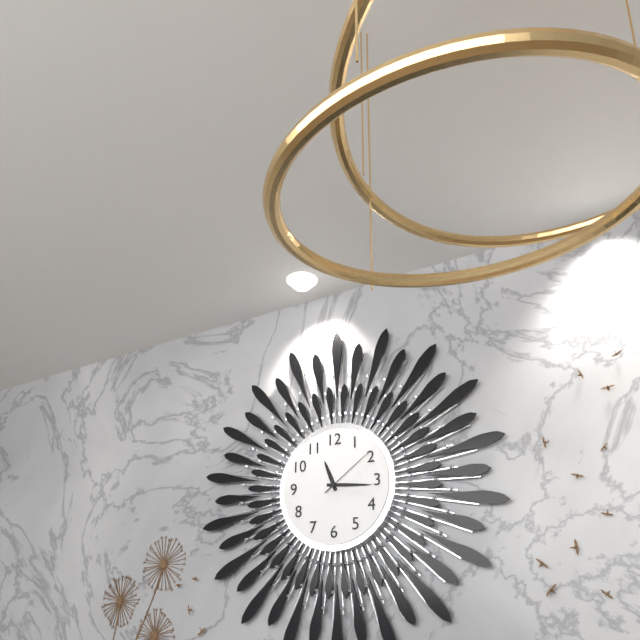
**11:16:09**
